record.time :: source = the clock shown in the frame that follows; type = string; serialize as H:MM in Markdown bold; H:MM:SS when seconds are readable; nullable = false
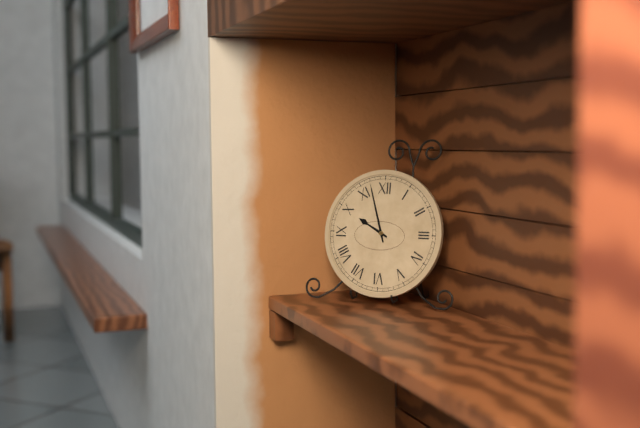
**9:57**
